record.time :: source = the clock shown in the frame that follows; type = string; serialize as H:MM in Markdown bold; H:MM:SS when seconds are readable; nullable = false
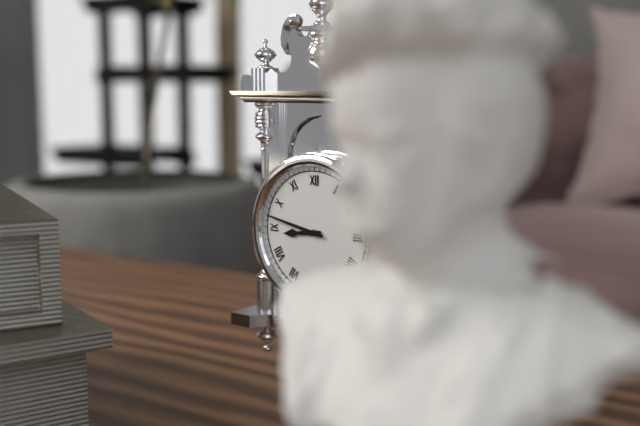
**8:47**
